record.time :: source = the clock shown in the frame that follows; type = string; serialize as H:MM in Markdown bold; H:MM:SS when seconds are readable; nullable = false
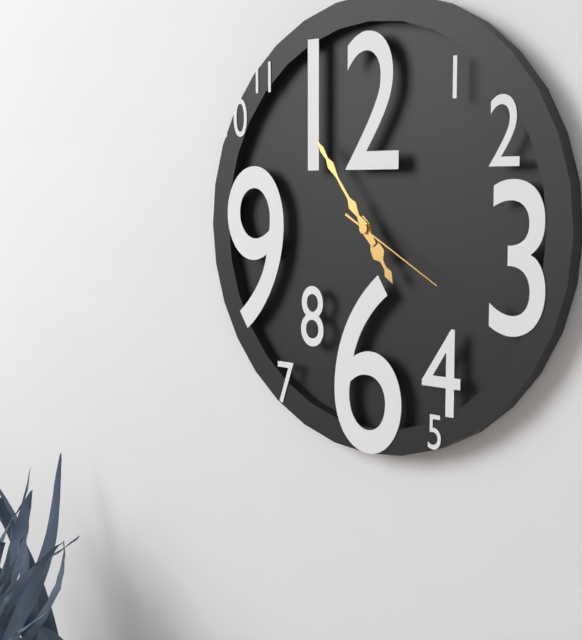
**4:54:20**
